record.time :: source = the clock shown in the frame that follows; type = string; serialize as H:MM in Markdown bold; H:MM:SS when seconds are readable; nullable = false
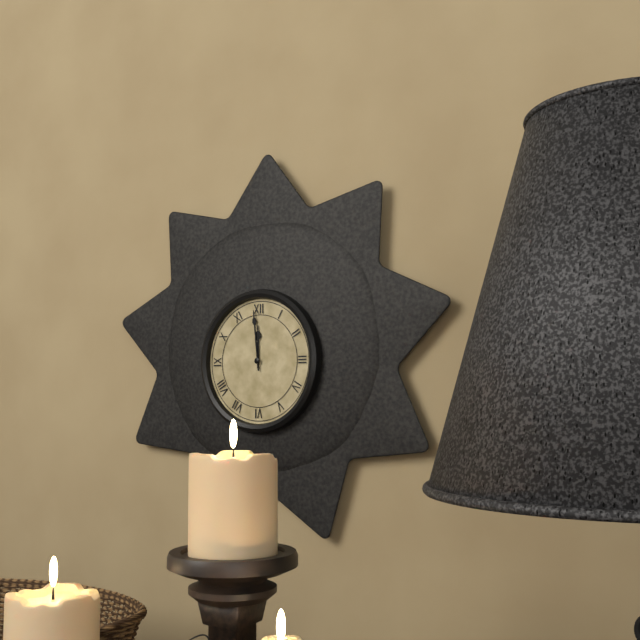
**11:59**
